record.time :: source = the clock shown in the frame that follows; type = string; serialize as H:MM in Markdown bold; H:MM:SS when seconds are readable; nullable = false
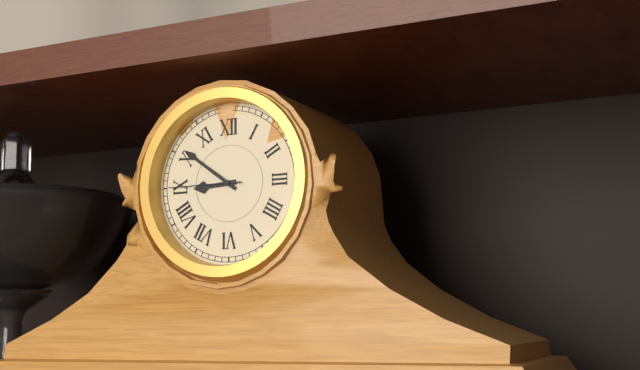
**8:51:45**
